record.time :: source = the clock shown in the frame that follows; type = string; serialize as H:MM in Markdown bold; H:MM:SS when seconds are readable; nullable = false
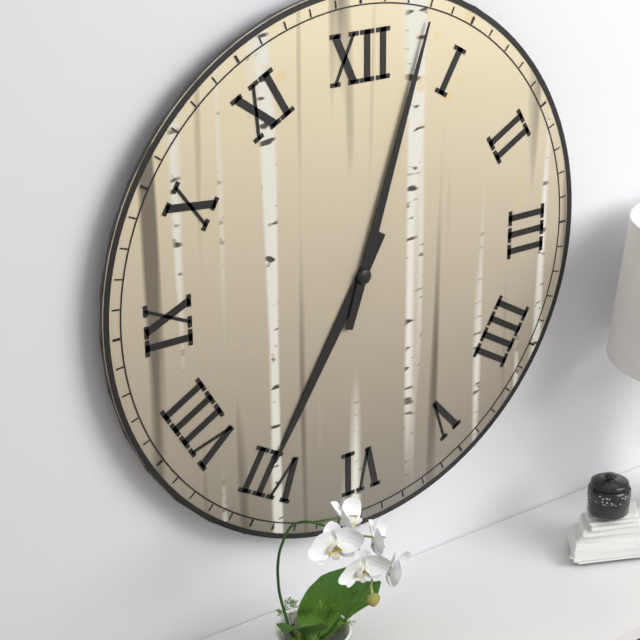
**7:03**
